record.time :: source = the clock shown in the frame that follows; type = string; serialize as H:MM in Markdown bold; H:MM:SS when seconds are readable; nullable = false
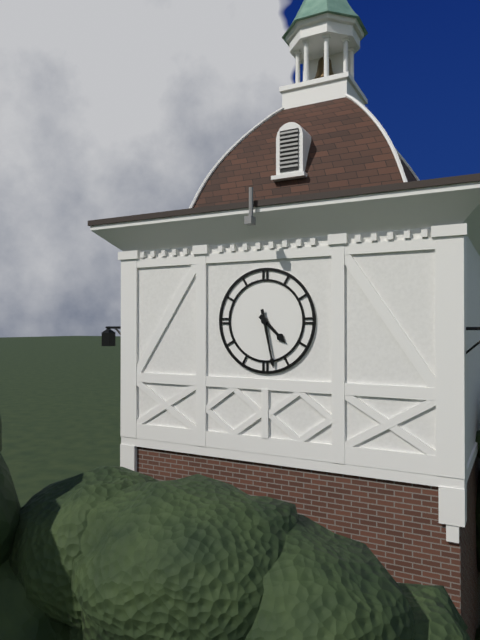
**4:28**
